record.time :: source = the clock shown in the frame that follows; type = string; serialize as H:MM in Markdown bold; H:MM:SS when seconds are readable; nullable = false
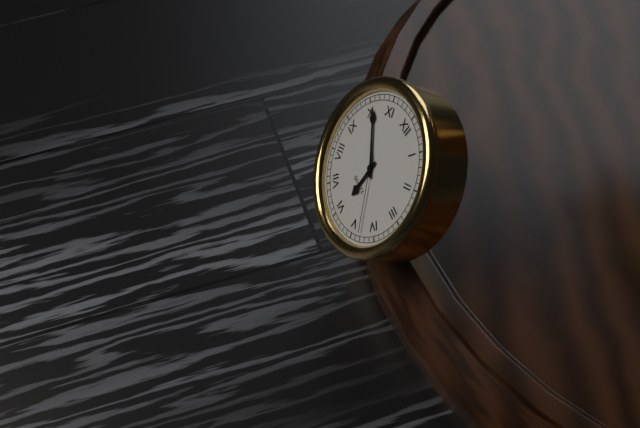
**5:51:23**
